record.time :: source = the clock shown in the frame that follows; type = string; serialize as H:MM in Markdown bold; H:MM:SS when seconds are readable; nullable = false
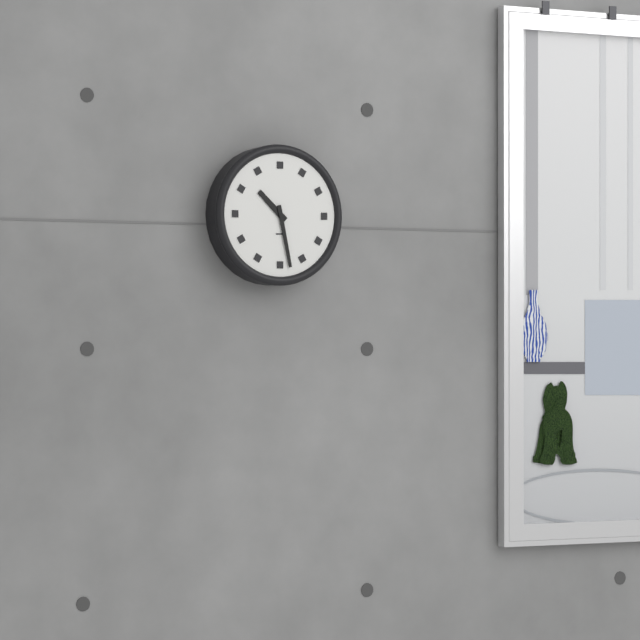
**10:28**
